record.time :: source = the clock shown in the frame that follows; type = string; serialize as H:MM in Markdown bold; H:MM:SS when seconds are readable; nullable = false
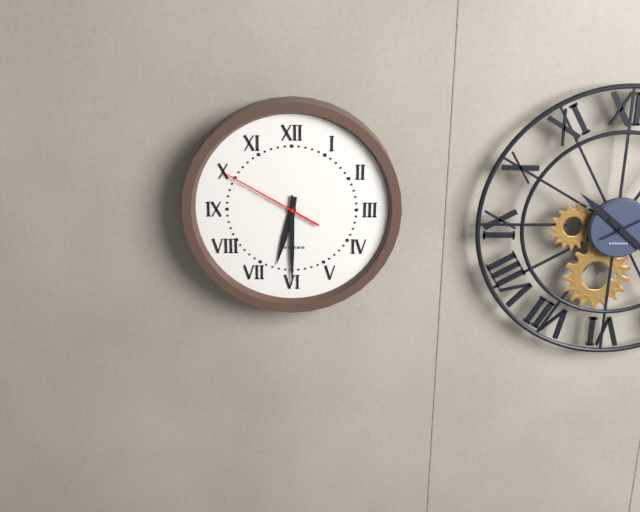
**6:30:50**
